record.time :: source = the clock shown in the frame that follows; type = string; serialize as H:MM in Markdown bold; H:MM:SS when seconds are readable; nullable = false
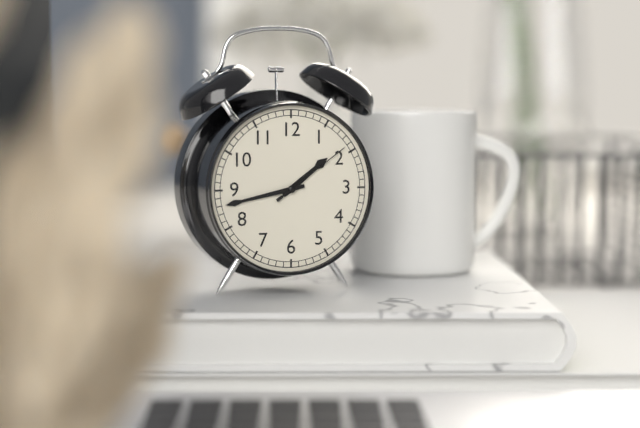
**1:43:09**
